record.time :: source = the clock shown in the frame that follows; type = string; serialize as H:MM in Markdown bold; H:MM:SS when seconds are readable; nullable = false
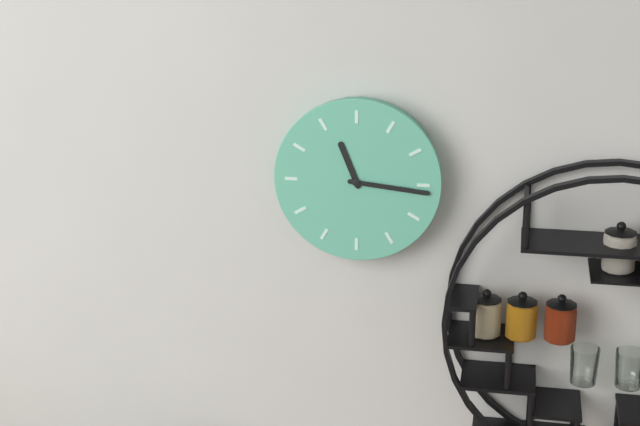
**11:16**
